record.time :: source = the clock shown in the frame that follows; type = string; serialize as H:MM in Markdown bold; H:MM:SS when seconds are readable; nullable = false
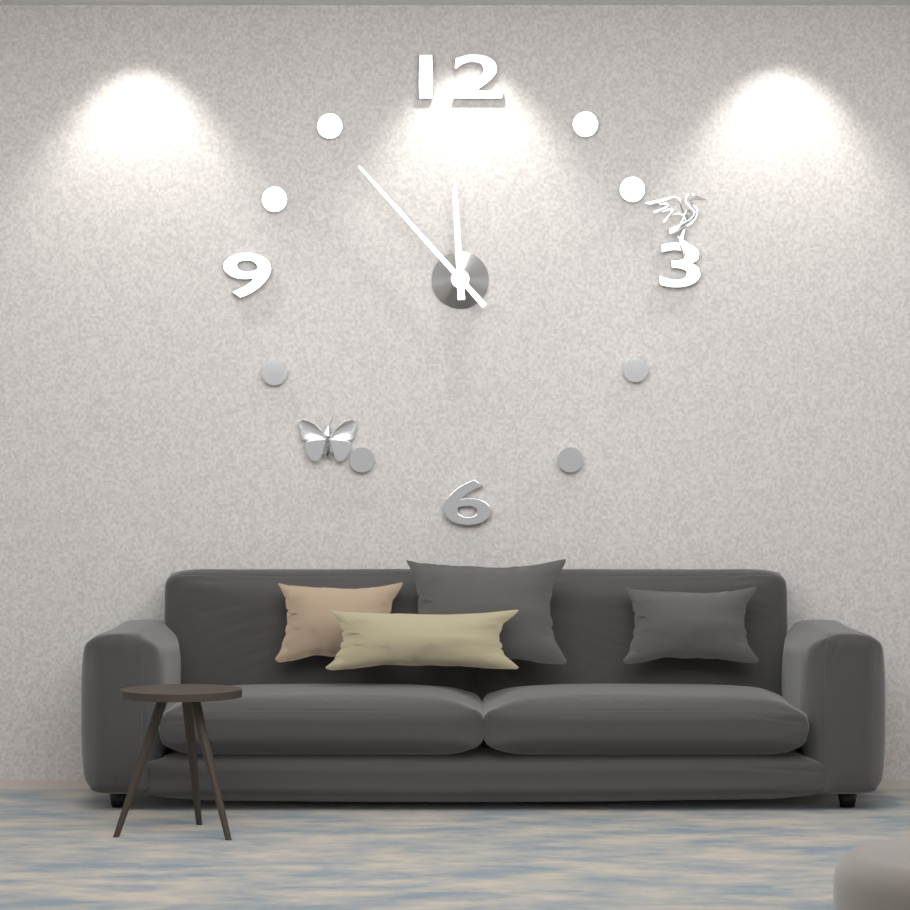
**11:53**
